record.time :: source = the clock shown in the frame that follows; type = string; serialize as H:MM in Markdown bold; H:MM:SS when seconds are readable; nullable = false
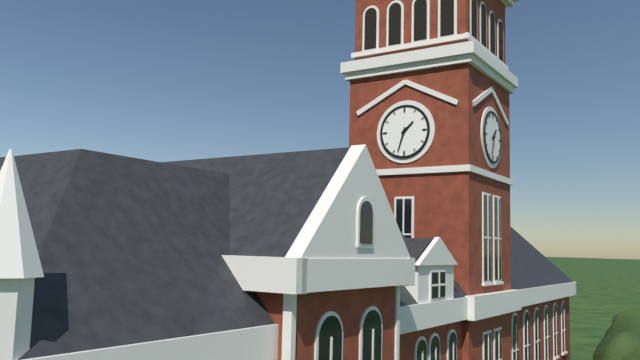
**1:33**
